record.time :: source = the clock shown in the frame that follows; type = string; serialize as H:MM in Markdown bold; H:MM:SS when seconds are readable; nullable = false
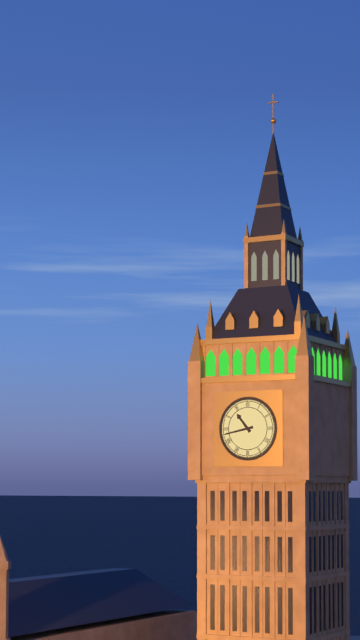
**10:43**
